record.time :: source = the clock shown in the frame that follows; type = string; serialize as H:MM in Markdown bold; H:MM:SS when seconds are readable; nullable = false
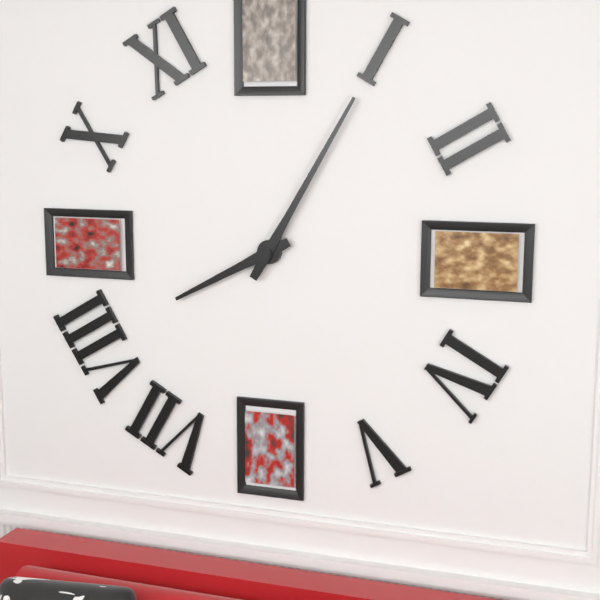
**8:05**
